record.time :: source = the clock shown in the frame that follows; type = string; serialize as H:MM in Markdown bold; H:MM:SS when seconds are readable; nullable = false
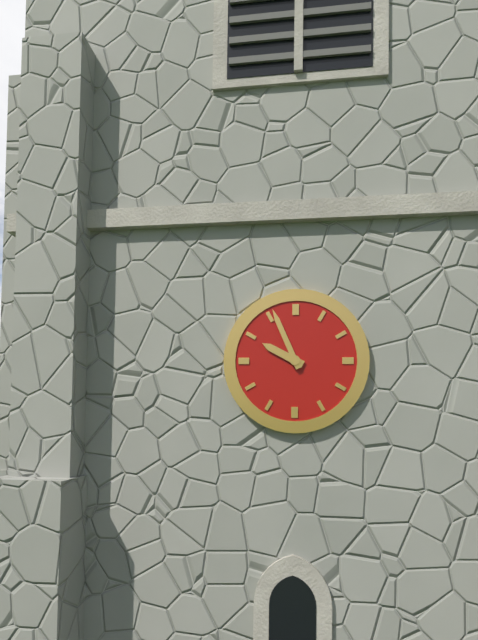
**9:56**
